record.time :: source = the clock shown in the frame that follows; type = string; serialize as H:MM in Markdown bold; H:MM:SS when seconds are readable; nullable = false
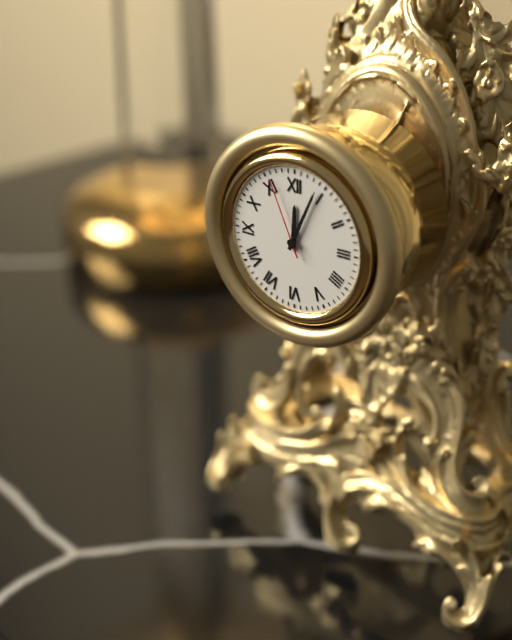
**12:04:56**
